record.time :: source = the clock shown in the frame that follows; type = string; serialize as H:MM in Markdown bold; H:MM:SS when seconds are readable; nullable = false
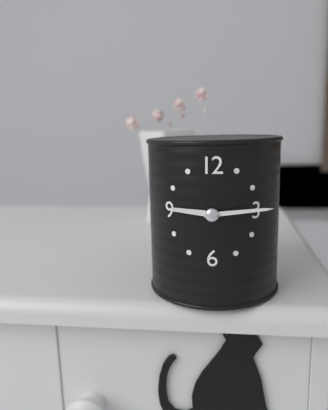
**9:14**
